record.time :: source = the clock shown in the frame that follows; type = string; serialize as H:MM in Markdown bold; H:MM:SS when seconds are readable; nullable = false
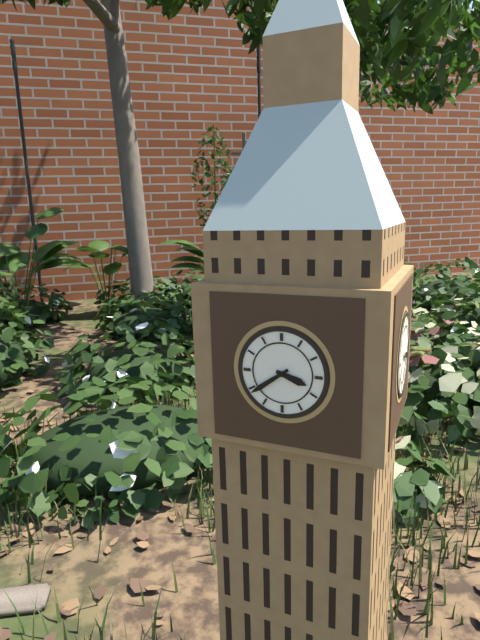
**3:39**
